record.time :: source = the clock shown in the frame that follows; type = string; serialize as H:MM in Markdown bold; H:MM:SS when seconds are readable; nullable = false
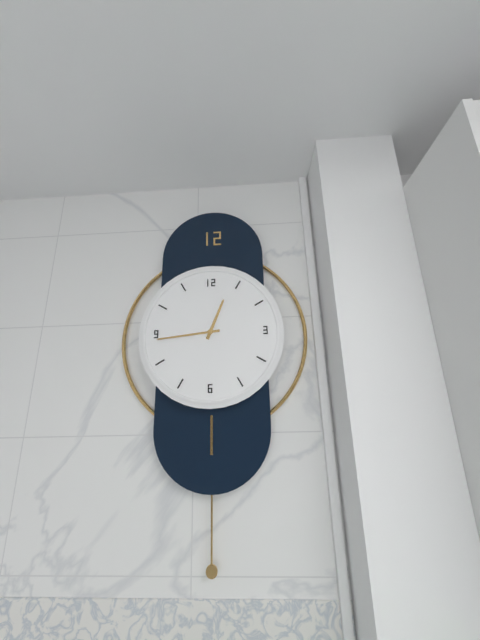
**12:44**
